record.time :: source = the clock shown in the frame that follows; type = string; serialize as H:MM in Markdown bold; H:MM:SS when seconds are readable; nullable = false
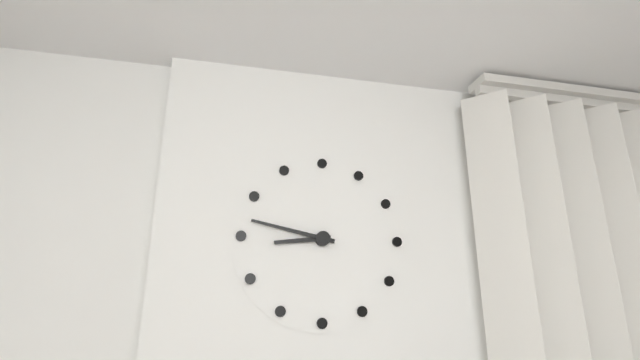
**8:47**
